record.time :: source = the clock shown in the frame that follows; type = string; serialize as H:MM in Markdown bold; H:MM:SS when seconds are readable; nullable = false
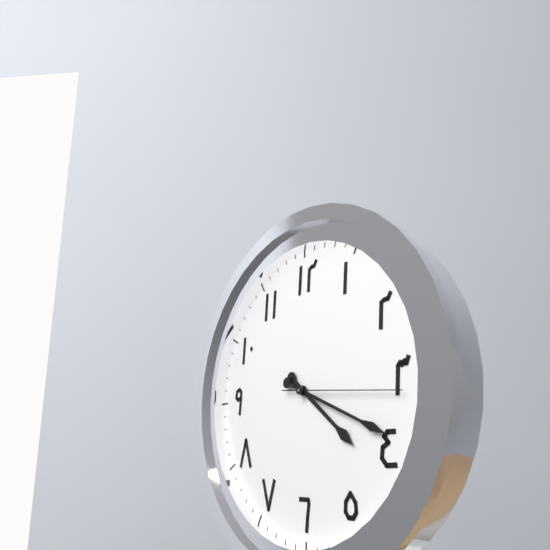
**4:19:16**
